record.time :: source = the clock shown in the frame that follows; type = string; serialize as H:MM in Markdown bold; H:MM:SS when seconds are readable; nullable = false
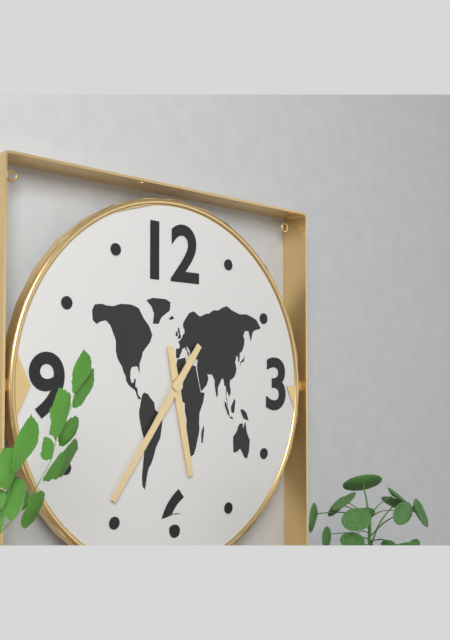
**5:36**
